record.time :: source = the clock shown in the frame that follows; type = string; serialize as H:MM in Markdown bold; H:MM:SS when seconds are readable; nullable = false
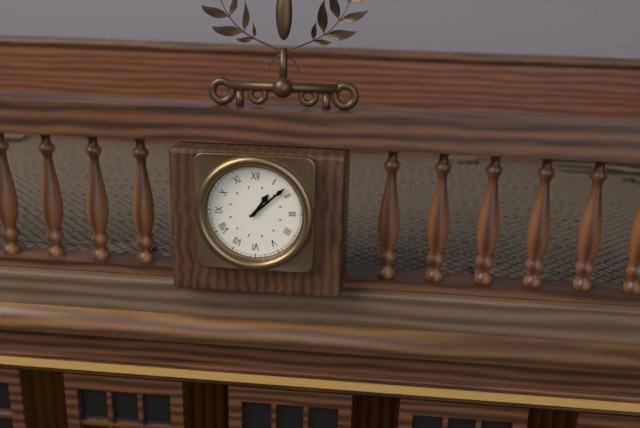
**1:08**
